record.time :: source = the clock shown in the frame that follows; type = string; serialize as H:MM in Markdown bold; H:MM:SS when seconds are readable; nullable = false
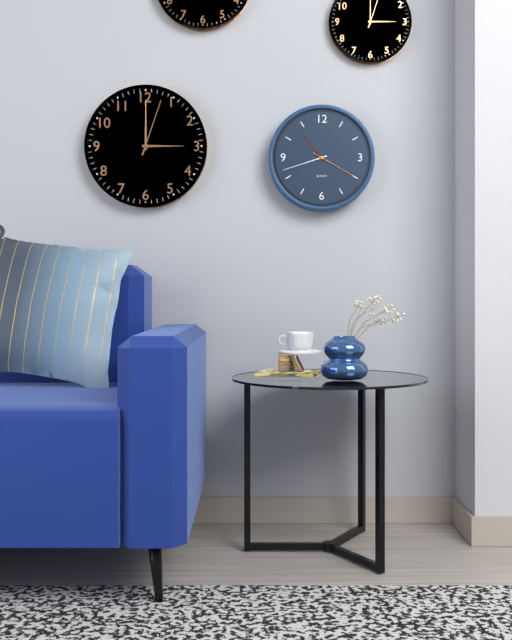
**10:42**
